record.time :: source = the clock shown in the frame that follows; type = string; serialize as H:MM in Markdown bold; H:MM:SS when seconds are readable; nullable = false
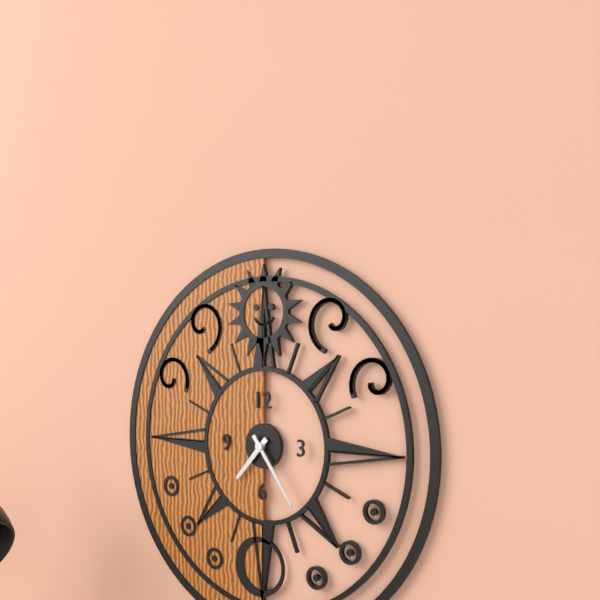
**7:24**
